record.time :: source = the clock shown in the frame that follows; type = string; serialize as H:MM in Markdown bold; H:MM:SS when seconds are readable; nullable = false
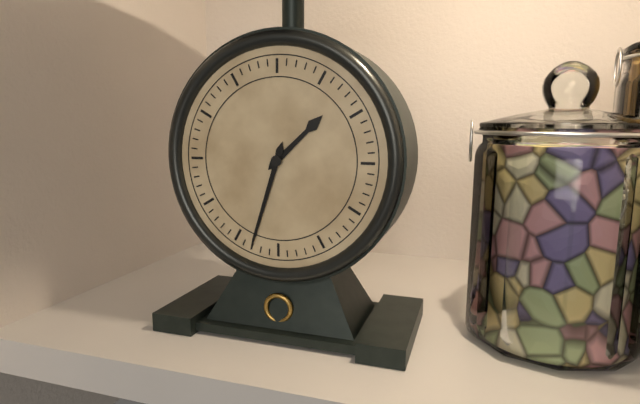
**1:33**
